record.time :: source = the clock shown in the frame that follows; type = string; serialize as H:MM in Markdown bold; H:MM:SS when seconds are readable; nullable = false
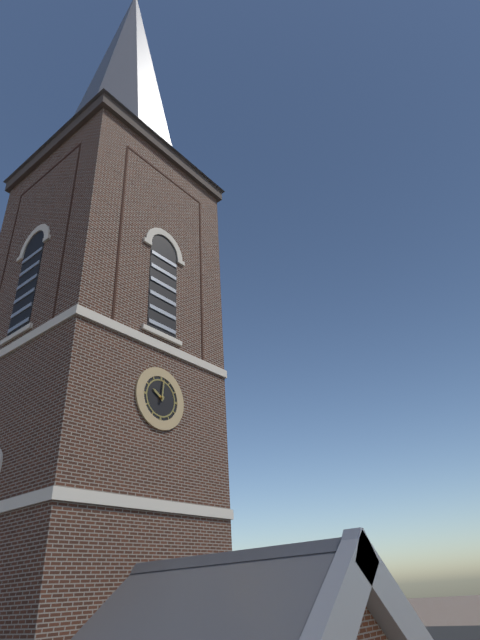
**10:01**
